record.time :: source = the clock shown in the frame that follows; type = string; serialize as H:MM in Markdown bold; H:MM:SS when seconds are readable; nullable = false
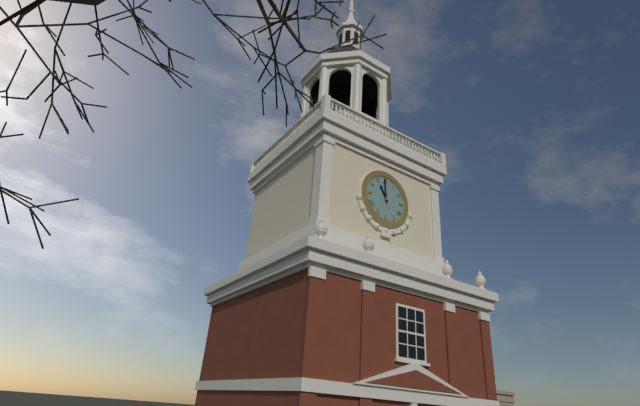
**10:59**
